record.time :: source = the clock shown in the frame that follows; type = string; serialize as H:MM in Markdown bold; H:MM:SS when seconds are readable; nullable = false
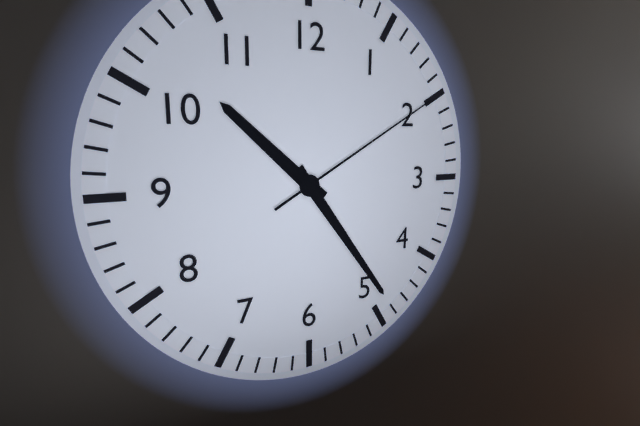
**10:24:10**
